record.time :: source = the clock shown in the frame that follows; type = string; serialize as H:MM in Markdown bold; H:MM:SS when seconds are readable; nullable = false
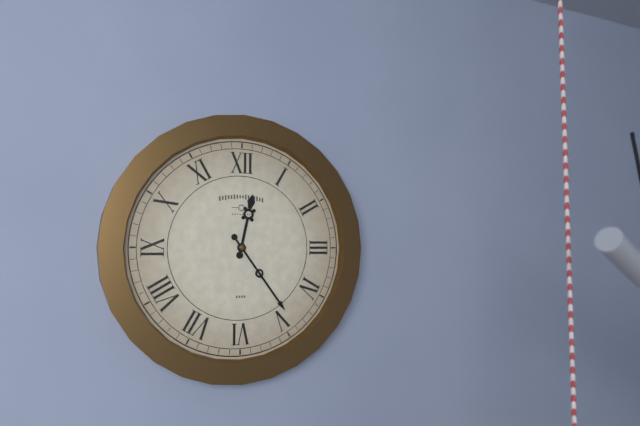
**12:24**
